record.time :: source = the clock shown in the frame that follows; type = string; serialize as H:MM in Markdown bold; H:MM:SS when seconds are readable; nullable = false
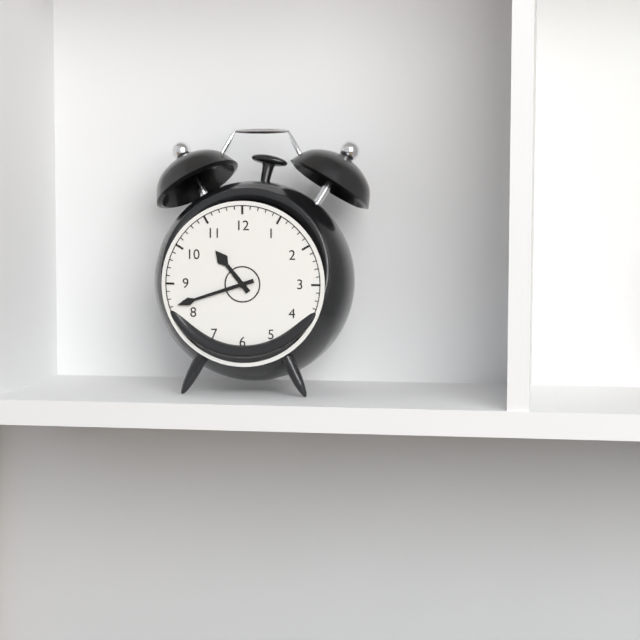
**10:42**
